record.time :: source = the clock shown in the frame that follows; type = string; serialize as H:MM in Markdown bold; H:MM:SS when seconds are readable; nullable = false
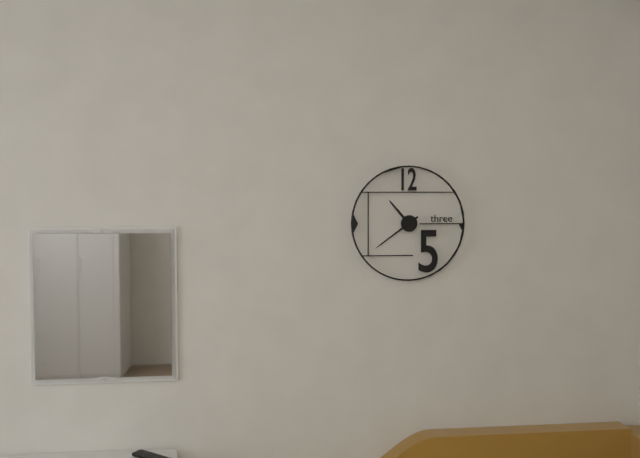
**10:39**
